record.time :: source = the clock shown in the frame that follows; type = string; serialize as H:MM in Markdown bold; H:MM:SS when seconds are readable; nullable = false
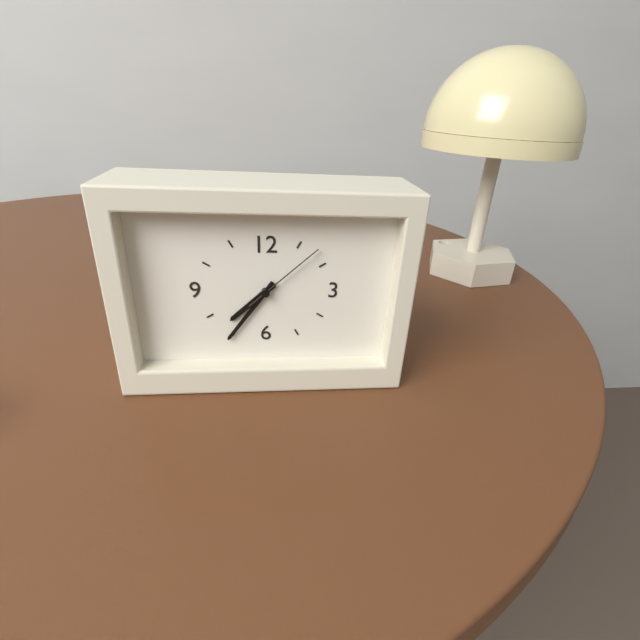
**7:36:08**
